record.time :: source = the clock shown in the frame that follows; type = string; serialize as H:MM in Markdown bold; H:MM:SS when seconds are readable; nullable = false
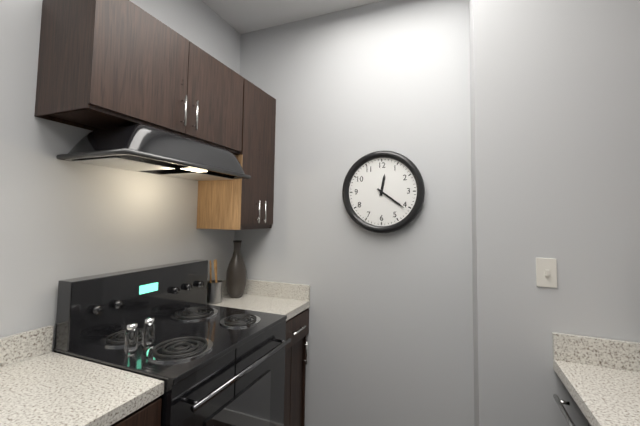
**12:21**
